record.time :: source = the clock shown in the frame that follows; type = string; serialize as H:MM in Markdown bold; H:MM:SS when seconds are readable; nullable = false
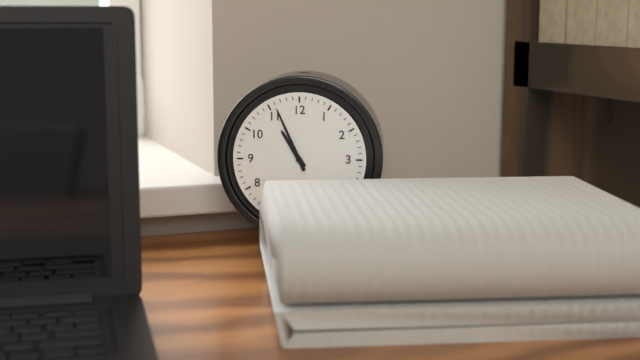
**10:56**
